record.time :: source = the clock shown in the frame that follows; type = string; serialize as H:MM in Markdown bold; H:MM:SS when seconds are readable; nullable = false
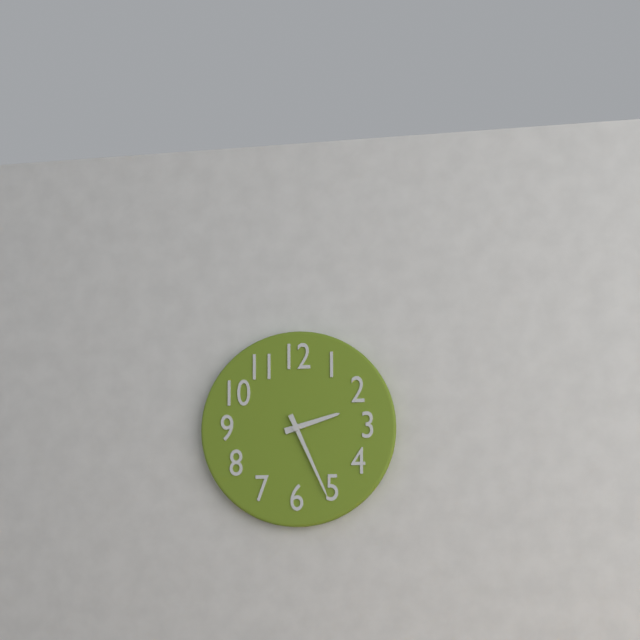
**2:26**
